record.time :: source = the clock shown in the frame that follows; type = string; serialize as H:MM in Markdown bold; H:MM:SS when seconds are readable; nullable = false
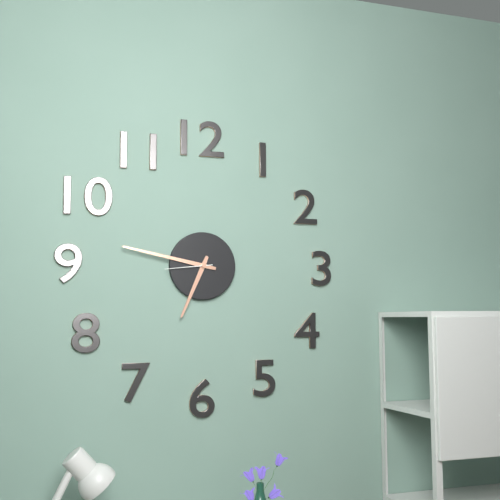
**6:47**
